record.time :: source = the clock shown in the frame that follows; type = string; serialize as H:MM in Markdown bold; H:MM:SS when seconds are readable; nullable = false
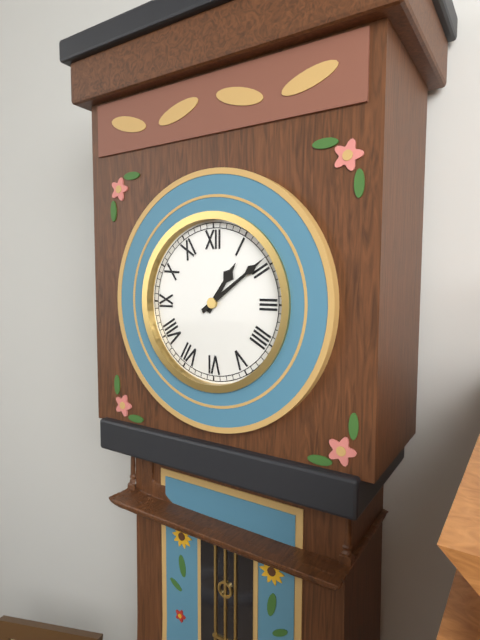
**1:09**
